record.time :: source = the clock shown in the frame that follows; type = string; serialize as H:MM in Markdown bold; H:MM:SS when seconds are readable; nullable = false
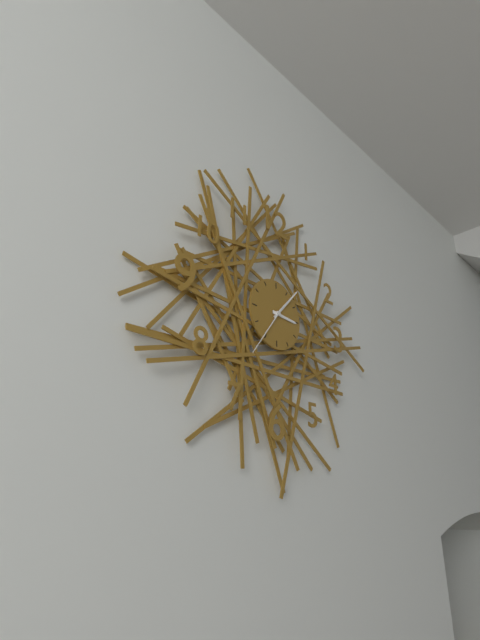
**3:07**
